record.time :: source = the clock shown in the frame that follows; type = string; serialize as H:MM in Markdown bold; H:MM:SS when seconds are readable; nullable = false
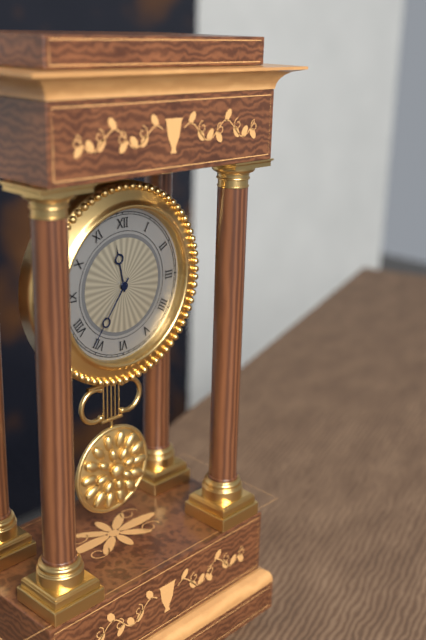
**11:36**
